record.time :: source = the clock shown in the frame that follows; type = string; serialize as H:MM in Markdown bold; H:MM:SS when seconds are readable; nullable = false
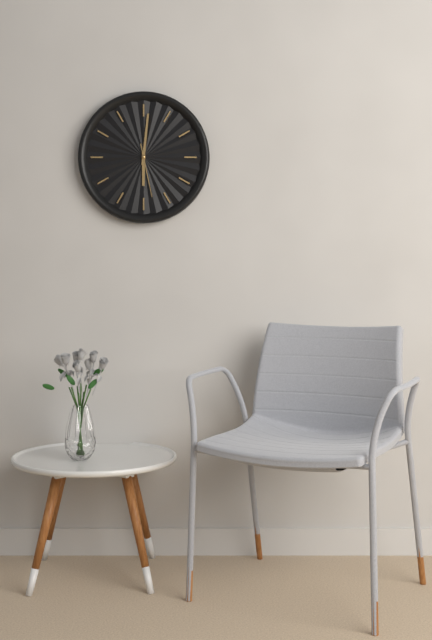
**6:01:28**
